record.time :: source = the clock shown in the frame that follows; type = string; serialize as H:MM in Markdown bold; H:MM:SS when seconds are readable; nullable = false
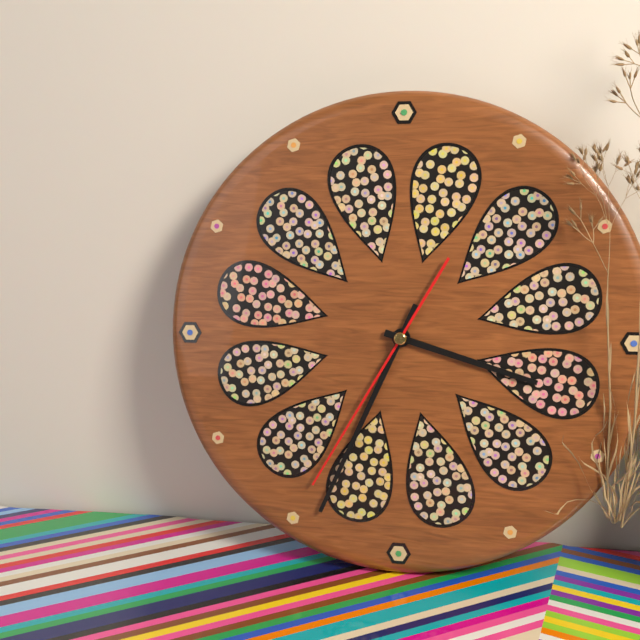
**3:34:35**
